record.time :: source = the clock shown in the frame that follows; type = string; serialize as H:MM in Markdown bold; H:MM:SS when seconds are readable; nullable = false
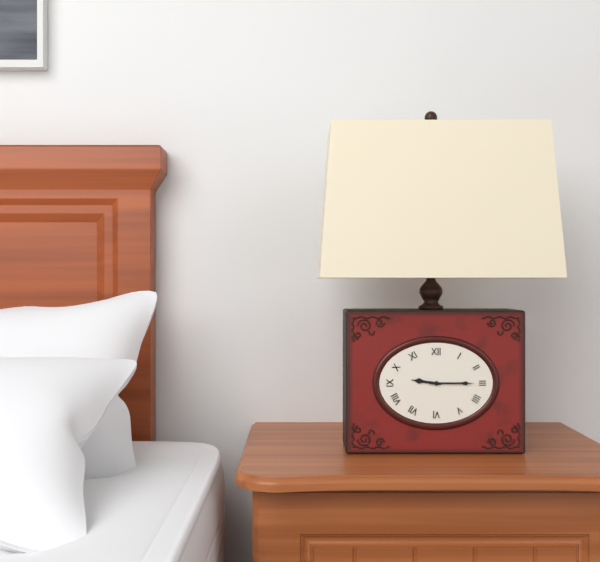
**9:15**
